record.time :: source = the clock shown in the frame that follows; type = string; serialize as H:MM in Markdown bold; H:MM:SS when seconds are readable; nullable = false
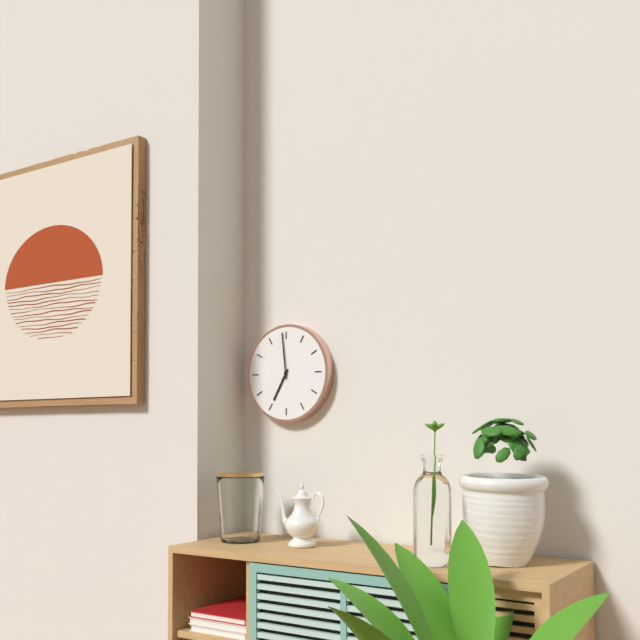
**6:59**
